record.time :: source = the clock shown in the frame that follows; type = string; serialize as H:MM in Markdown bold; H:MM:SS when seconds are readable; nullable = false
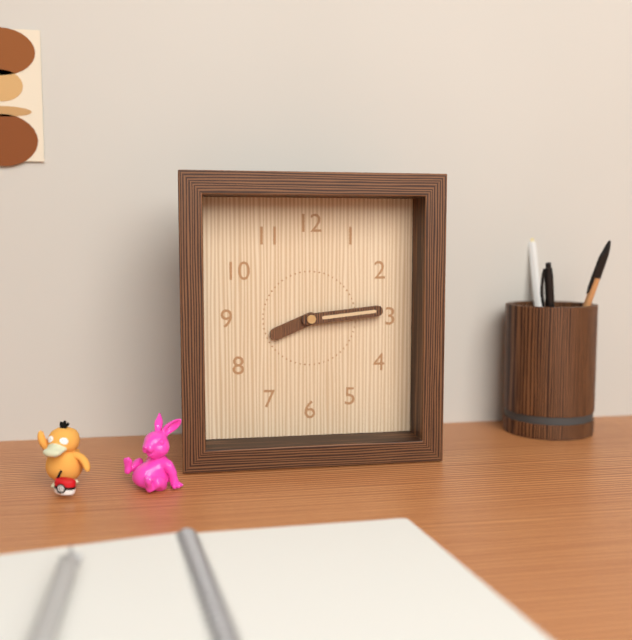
**8:14**
